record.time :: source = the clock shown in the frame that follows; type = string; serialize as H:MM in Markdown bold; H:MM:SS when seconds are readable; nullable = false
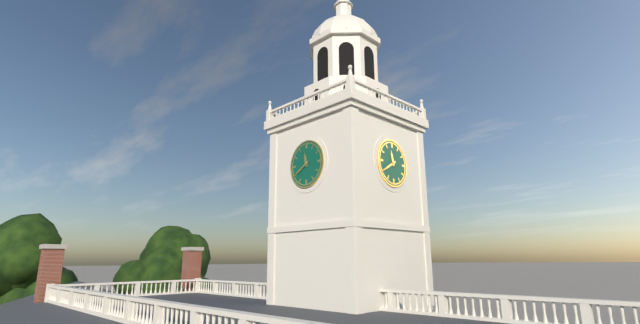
**11:40**
